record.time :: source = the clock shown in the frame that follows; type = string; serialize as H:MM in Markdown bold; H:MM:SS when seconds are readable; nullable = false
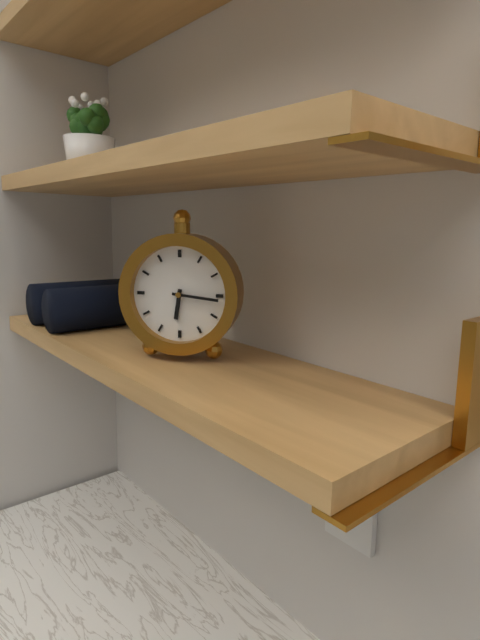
**6:16**
